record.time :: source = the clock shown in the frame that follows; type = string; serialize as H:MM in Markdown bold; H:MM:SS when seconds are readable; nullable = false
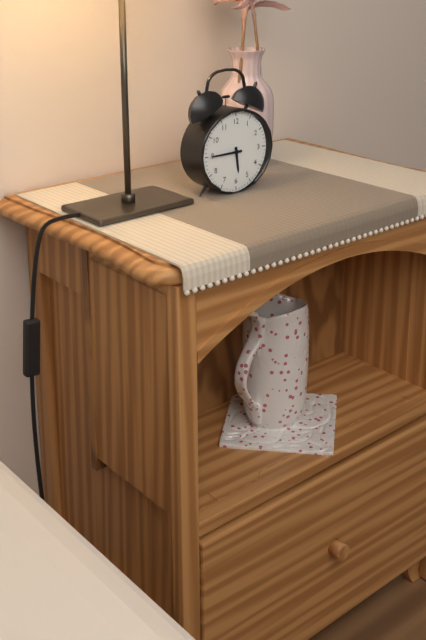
**5:45**
